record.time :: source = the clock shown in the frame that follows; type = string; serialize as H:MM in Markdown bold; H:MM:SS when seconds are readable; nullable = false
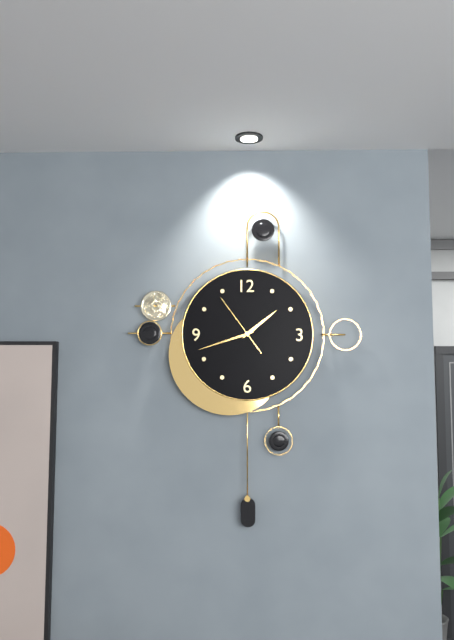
**1:42:54**
